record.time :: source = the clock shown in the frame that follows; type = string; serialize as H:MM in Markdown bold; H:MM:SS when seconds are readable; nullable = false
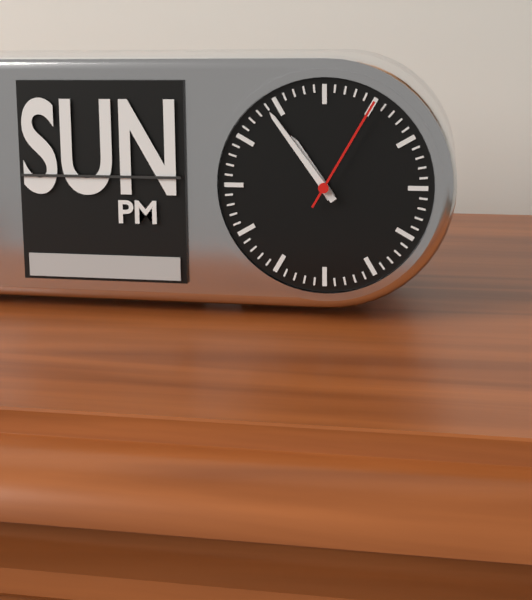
**10:54:05**
